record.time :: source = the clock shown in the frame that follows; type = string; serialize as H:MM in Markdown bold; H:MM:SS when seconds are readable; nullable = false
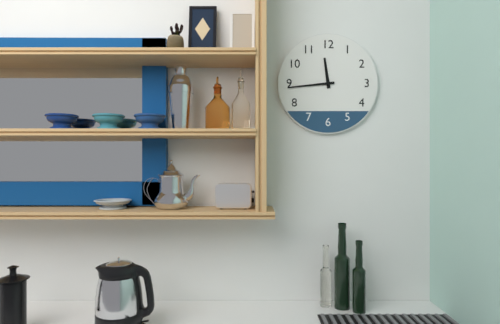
**11:44**
